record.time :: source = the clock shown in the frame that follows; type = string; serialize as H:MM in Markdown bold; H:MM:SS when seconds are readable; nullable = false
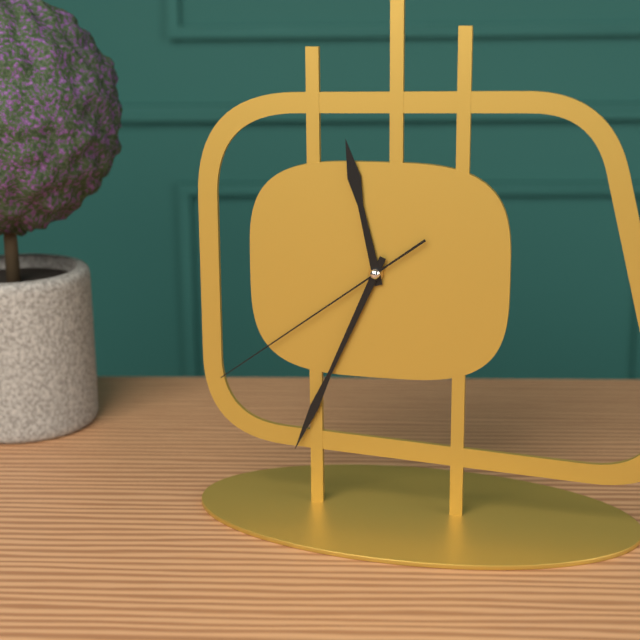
**11:34:39**
